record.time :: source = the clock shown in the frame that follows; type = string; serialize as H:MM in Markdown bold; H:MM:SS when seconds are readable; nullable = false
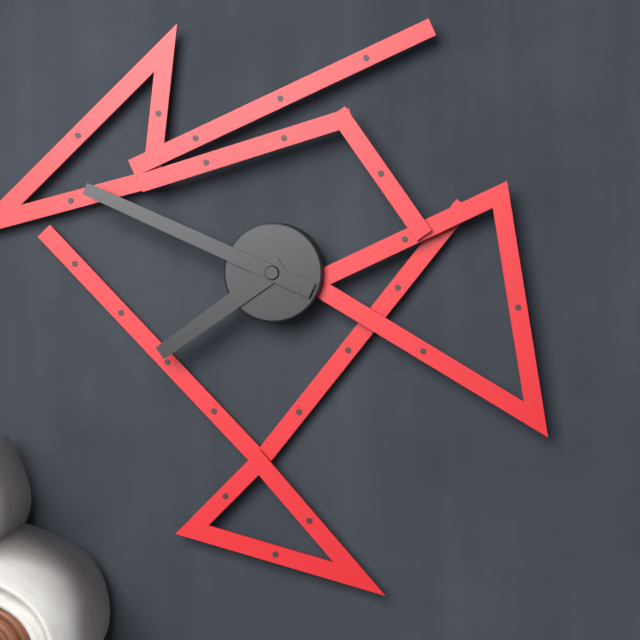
**7:49**
